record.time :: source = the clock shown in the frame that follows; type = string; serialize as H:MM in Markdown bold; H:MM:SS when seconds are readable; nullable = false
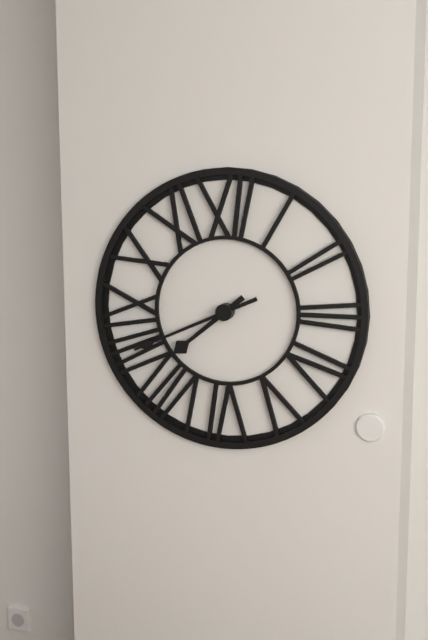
**7:41**
